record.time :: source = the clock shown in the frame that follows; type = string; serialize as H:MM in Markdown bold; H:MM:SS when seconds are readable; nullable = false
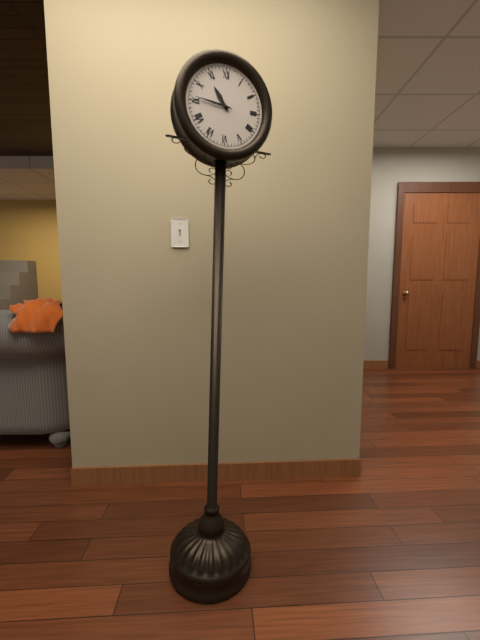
**10:46**
